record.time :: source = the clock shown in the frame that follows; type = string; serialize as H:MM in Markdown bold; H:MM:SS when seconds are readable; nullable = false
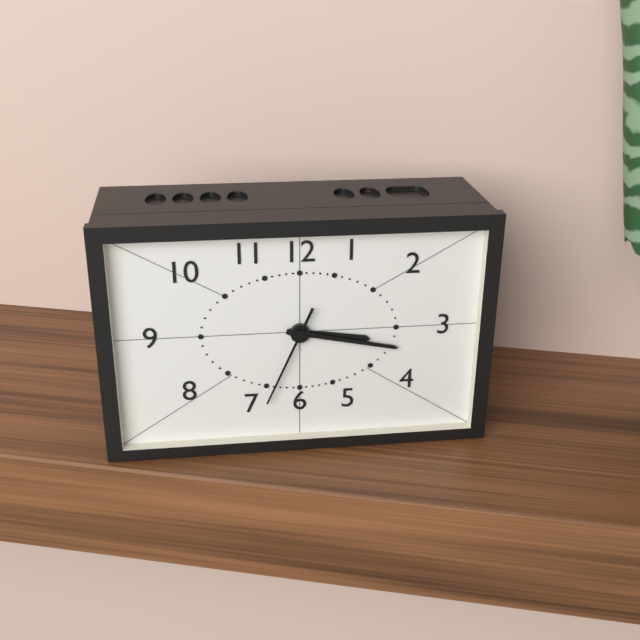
**3:17:34**
